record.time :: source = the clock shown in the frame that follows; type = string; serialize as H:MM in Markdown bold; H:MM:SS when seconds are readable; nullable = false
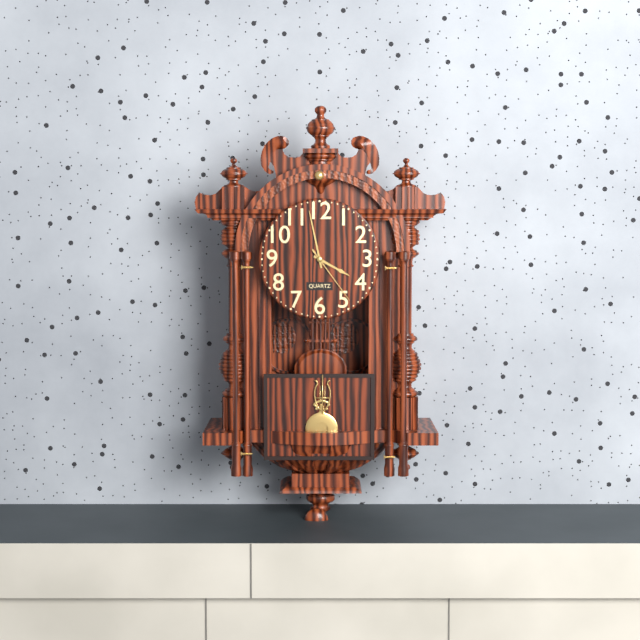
**3:58:24**
